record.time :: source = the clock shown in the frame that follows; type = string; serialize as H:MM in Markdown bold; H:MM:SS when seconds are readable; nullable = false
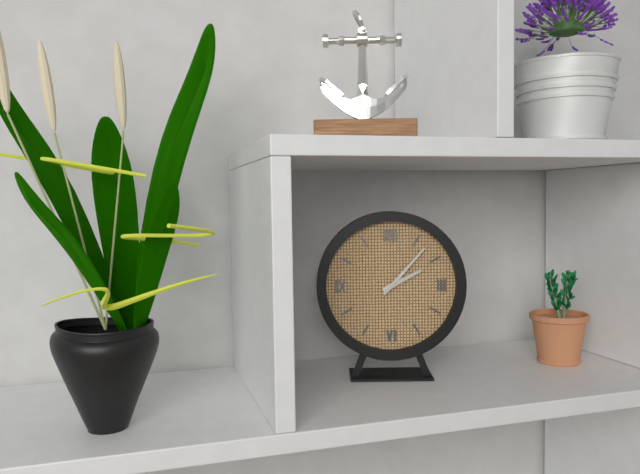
**2:07**
